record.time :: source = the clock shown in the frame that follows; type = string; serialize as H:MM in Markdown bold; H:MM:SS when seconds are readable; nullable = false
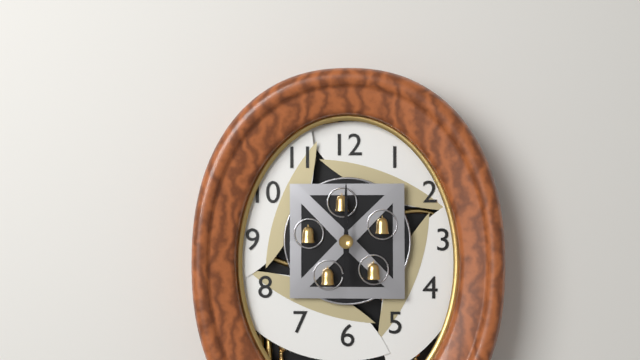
**6:00**
